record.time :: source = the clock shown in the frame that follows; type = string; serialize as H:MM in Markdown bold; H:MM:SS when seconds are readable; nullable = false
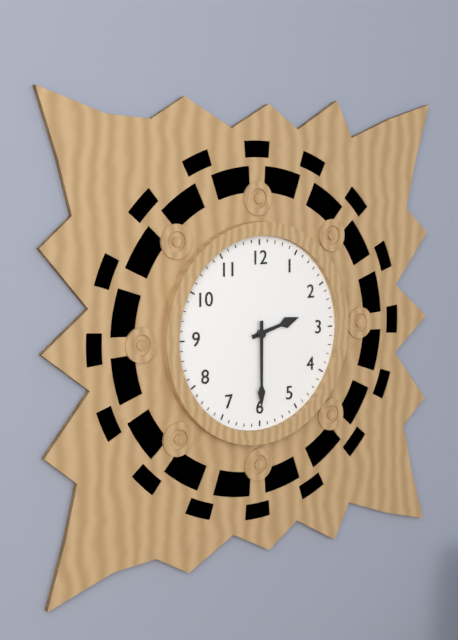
**2:30**
